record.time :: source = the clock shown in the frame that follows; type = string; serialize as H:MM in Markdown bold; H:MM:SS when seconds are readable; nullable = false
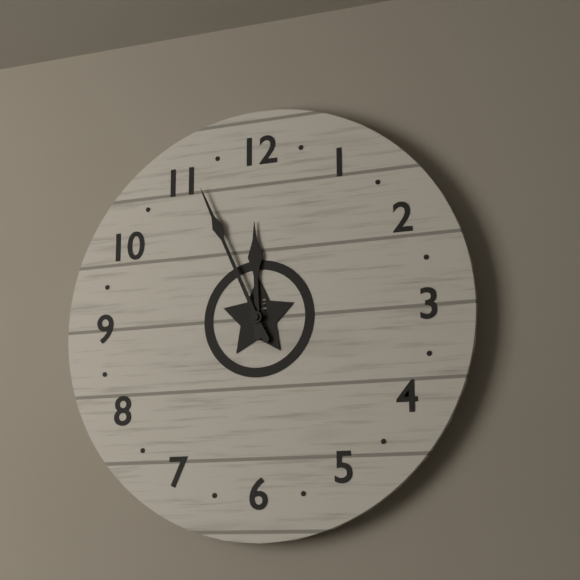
**11:56**
